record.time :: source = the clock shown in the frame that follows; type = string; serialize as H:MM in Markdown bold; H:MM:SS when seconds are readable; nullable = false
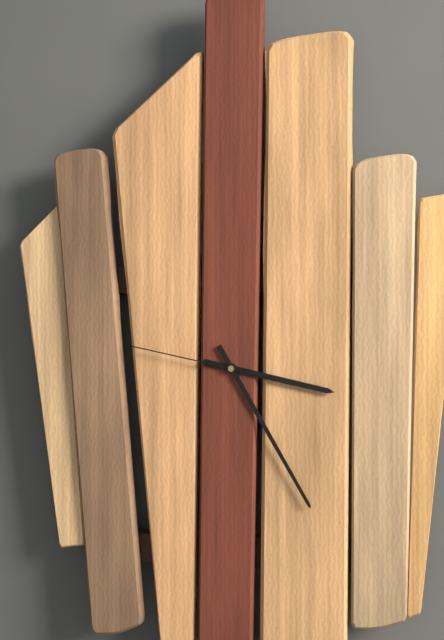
**3:25:47**
